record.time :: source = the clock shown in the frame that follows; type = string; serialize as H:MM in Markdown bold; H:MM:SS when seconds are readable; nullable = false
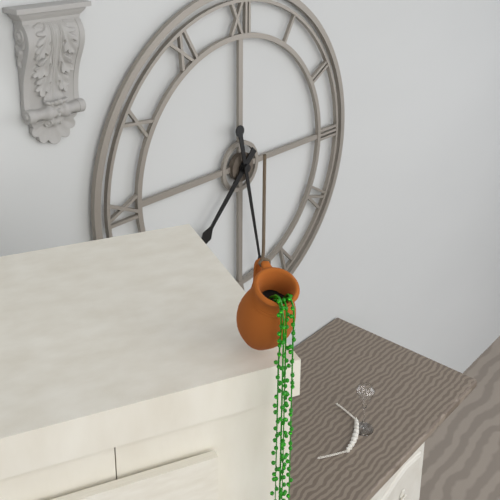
**7:28**
